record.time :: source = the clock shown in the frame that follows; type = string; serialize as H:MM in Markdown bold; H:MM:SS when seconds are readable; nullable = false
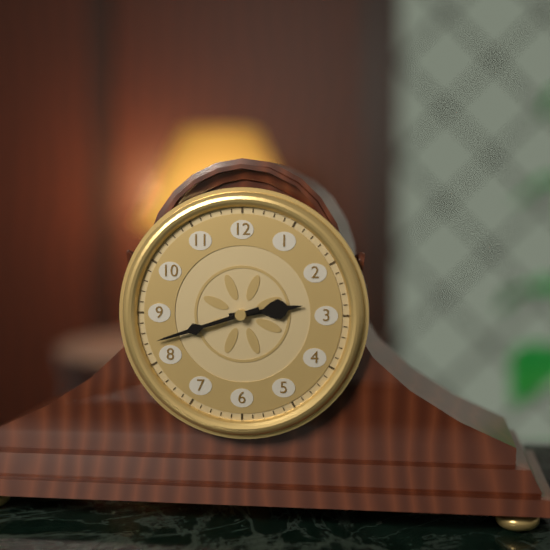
**2:42**
